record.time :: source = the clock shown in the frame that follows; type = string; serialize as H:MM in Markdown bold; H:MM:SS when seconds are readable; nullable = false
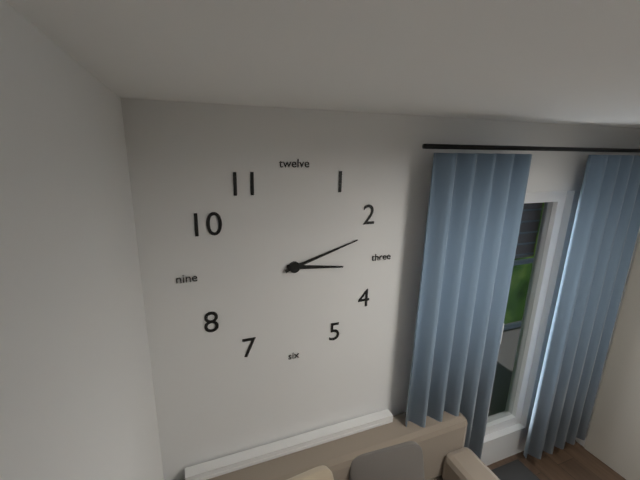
**3:12**
